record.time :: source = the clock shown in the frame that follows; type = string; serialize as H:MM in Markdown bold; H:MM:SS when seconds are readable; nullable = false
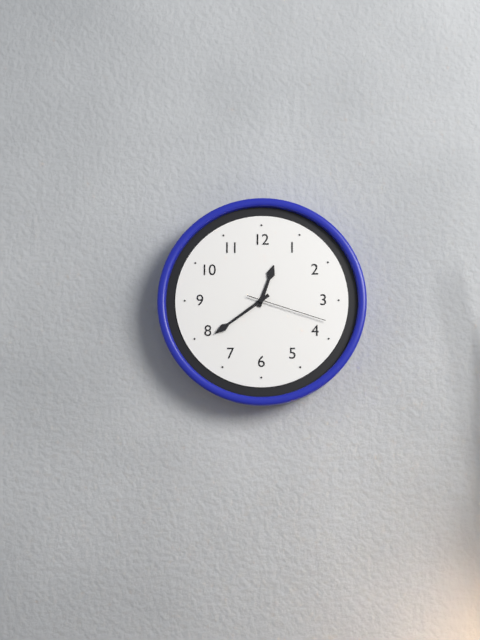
**12:39:18**
